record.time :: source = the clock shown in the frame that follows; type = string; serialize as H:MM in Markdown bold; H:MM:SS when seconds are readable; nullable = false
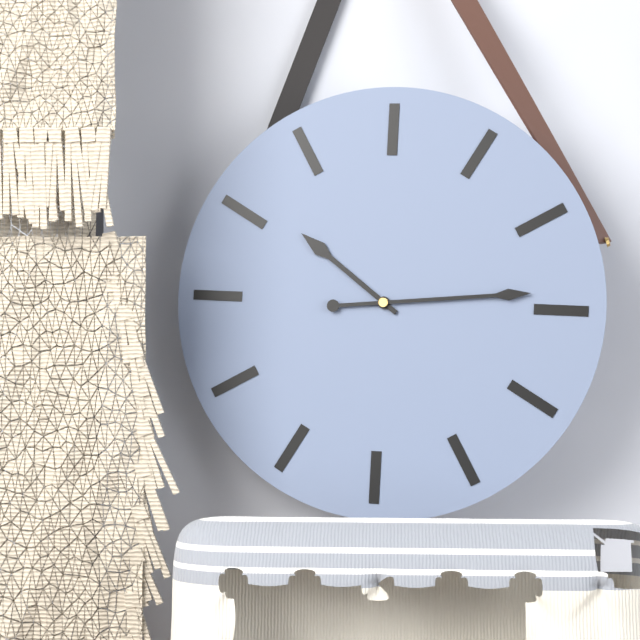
**10:14**
